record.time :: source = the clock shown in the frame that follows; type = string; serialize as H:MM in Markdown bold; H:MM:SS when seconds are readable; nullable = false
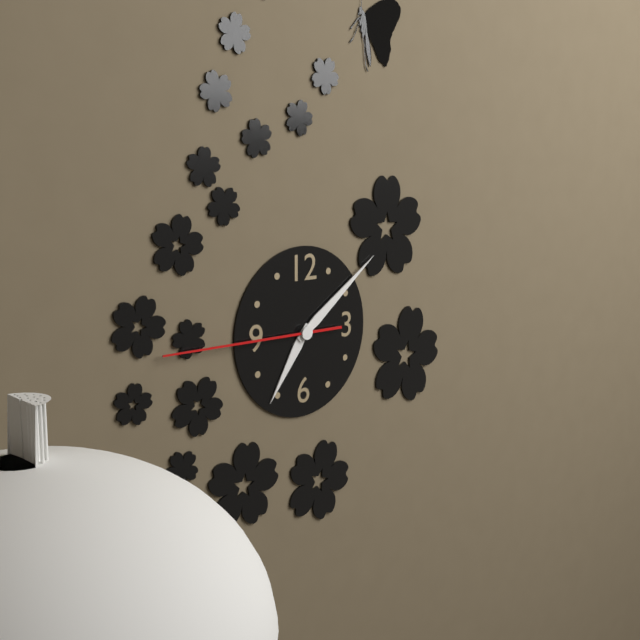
**7:09:45**
